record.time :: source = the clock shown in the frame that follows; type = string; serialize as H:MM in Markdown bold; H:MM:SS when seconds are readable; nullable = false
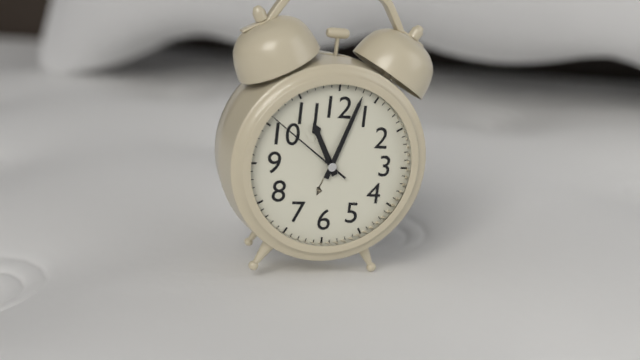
**11:03:51**
